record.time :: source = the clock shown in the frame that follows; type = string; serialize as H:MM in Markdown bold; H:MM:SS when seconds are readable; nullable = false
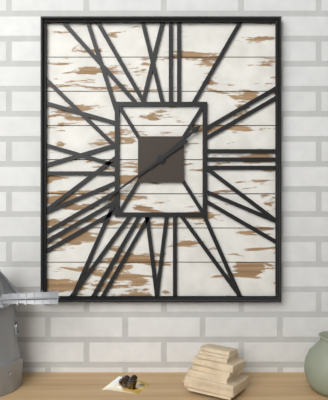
**1:39**
